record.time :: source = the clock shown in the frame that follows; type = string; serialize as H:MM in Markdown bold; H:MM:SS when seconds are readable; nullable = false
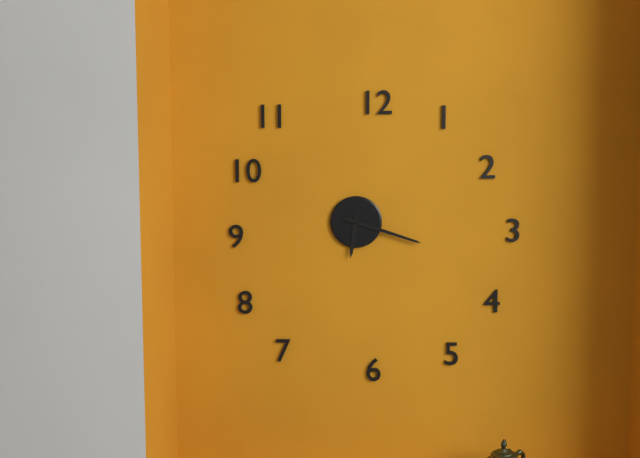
**6:18**
